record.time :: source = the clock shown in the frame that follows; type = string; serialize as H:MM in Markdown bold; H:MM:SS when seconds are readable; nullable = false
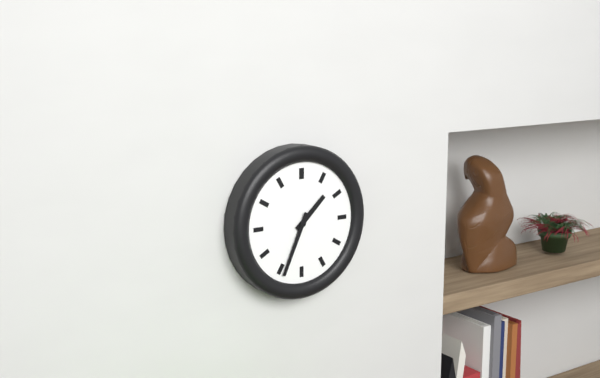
**1:34**
